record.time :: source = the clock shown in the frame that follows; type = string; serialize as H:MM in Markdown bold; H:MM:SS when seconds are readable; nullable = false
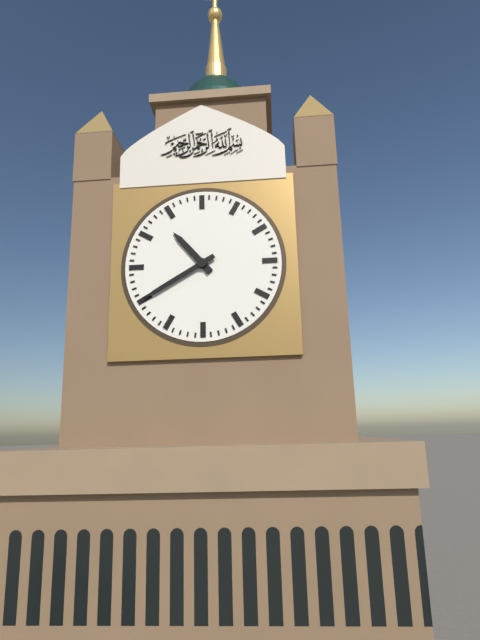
**10:40**
